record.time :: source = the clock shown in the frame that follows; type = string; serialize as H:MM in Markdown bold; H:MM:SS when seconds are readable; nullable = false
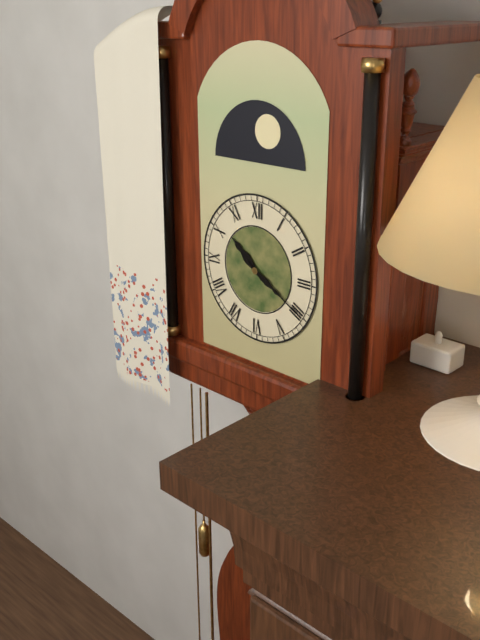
**10:20**
